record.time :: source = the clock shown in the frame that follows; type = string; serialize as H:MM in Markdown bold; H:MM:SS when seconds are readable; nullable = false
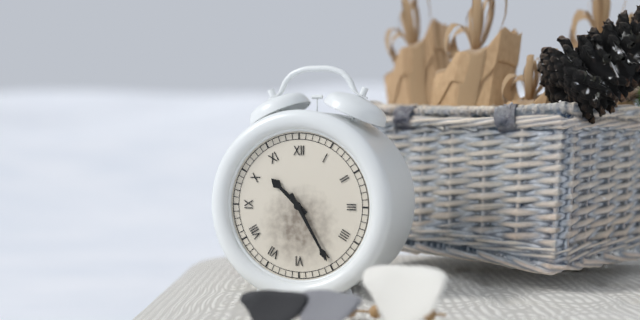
**10:25**
